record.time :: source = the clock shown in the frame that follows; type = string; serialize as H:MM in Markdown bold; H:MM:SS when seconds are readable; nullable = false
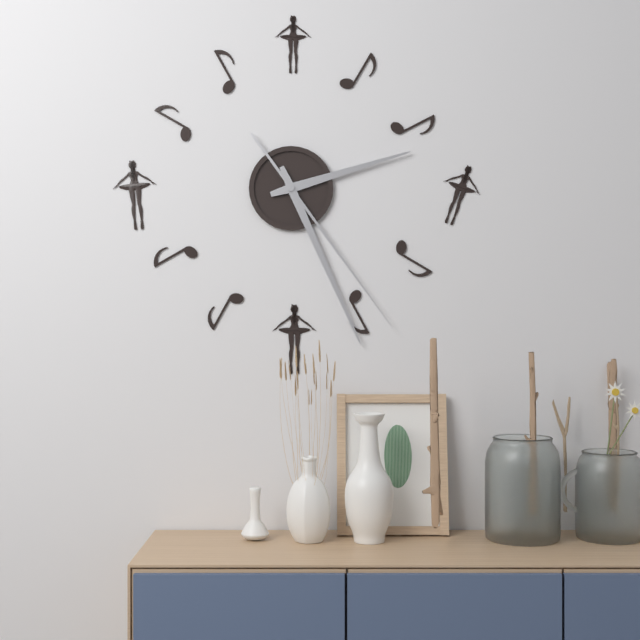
**2:26:24**
